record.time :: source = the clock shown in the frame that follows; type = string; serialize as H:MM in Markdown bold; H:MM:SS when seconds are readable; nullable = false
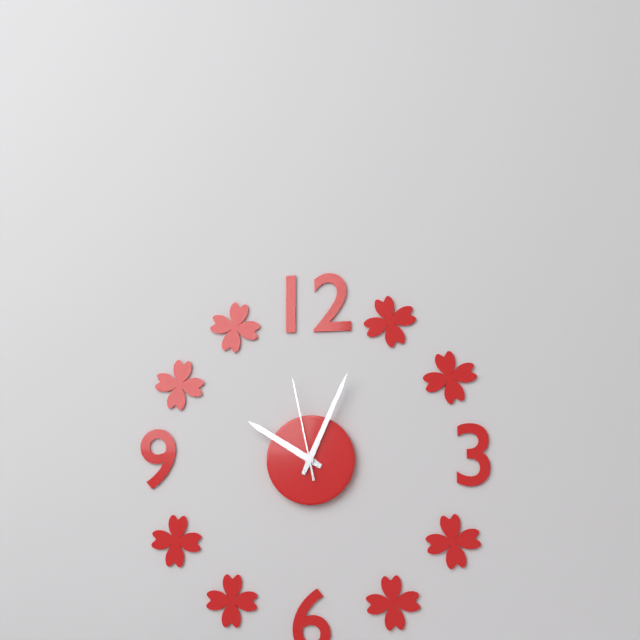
**10:04:58**
